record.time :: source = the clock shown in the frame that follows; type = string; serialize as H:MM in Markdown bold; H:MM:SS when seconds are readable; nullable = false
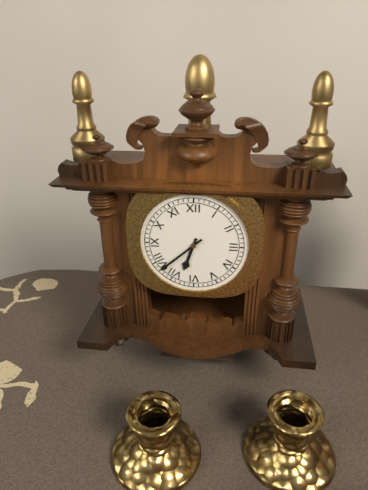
**6:38**
